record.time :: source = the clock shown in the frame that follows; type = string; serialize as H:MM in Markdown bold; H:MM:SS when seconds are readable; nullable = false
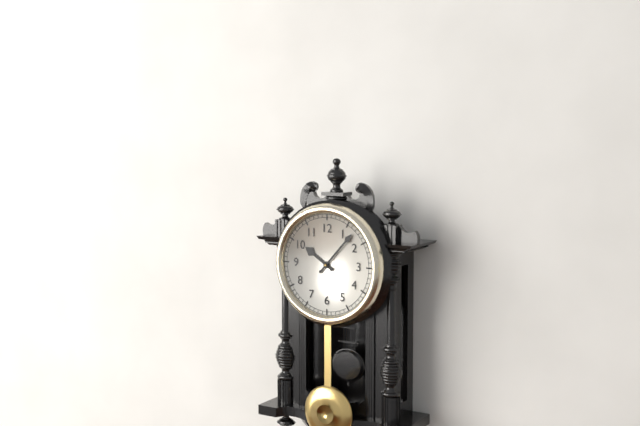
**10:07**
